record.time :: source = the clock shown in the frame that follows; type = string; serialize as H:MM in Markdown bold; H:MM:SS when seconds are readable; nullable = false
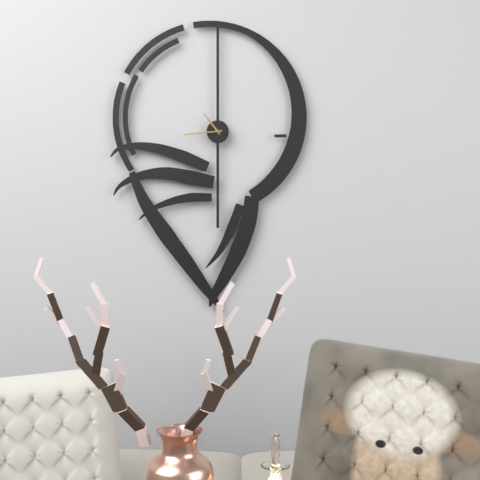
**10:44**
